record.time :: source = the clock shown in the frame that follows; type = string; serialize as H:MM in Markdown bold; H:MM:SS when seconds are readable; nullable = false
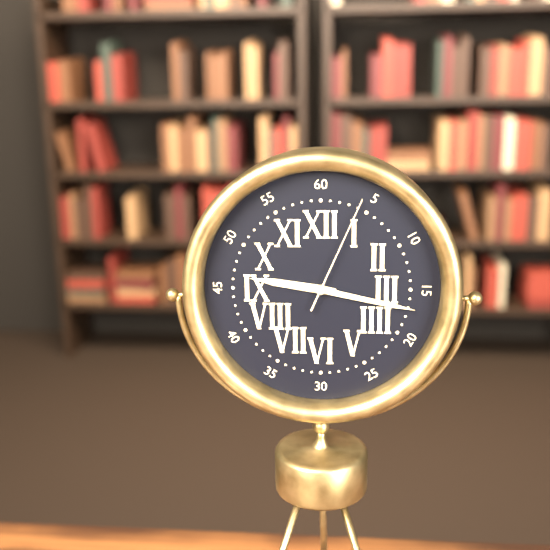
**9:17:04**
